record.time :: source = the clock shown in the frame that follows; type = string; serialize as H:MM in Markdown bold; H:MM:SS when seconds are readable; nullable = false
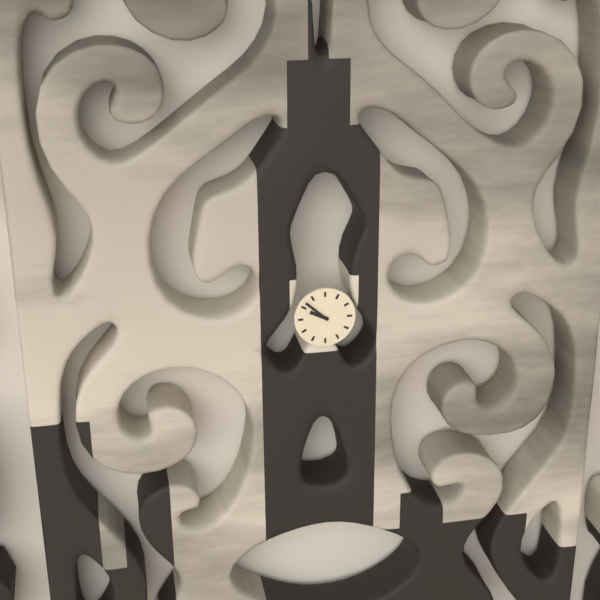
**9:52**
